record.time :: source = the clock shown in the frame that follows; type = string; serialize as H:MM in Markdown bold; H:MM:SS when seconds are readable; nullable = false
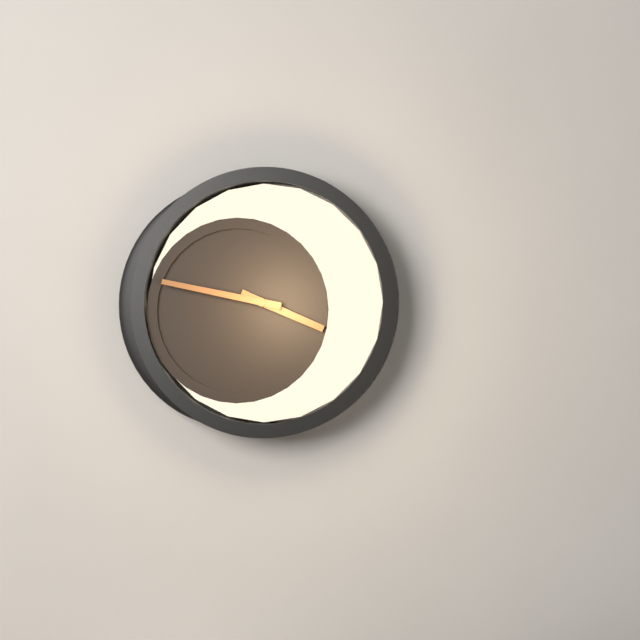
**3:47**
